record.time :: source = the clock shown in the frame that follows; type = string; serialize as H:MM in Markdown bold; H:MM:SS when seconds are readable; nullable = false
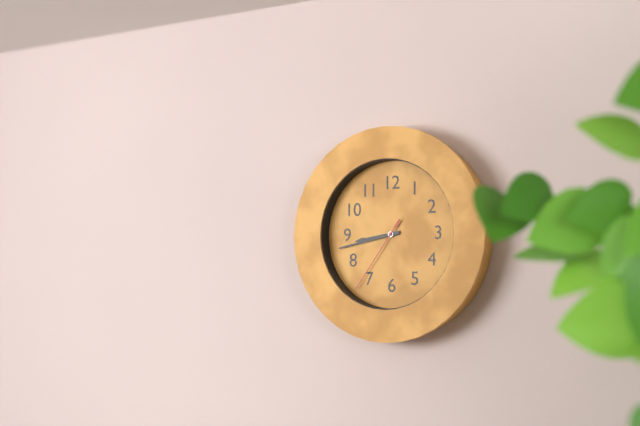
**8:43:36**
